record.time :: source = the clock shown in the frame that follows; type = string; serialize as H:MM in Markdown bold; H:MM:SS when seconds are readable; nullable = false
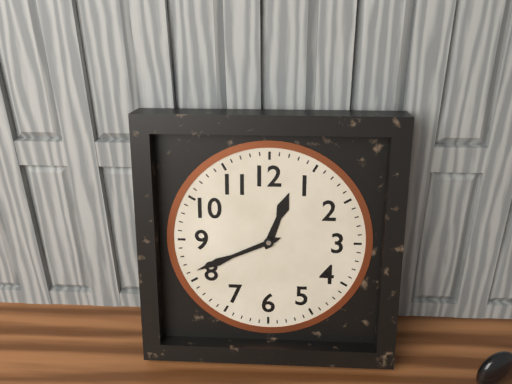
**12:41**
